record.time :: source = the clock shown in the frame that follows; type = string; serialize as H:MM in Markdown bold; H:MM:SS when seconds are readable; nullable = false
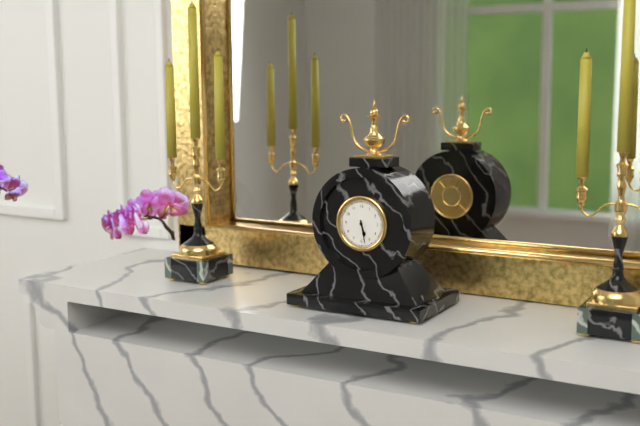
**5:28**
